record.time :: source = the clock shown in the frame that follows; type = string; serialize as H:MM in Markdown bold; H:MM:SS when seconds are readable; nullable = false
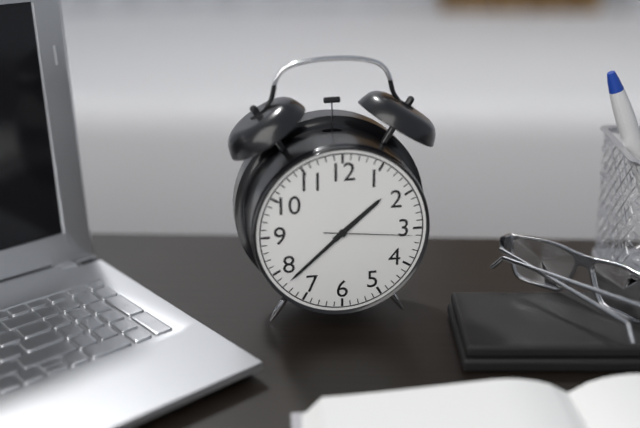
**1:38:16**
